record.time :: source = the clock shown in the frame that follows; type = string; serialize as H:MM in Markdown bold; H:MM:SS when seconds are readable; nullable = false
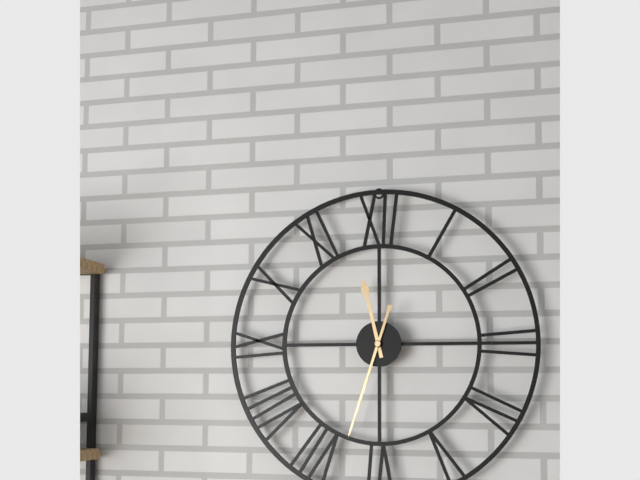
**11:33**
